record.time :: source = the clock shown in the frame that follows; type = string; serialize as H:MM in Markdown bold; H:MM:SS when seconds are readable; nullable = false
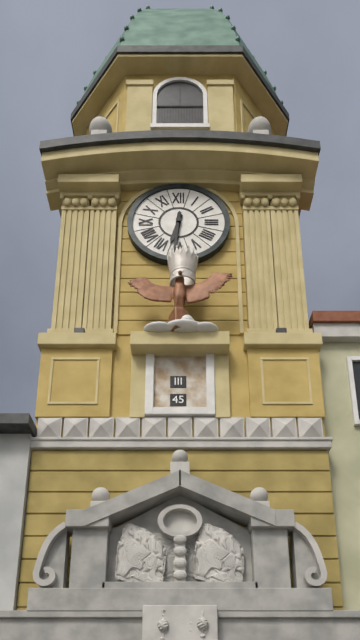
**6:31**
